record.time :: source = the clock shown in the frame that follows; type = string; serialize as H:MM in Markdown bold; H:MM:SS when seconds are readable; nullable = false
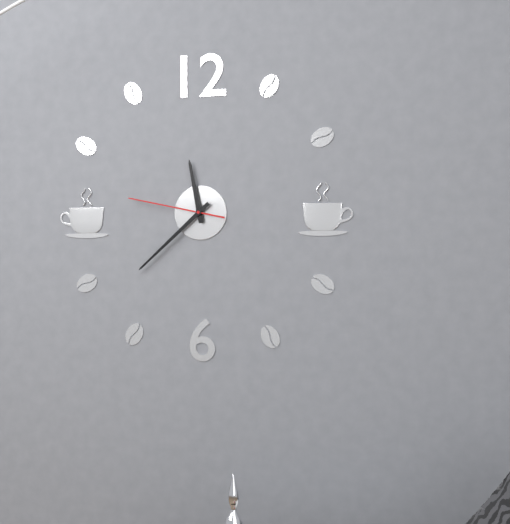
**11:38:47**
